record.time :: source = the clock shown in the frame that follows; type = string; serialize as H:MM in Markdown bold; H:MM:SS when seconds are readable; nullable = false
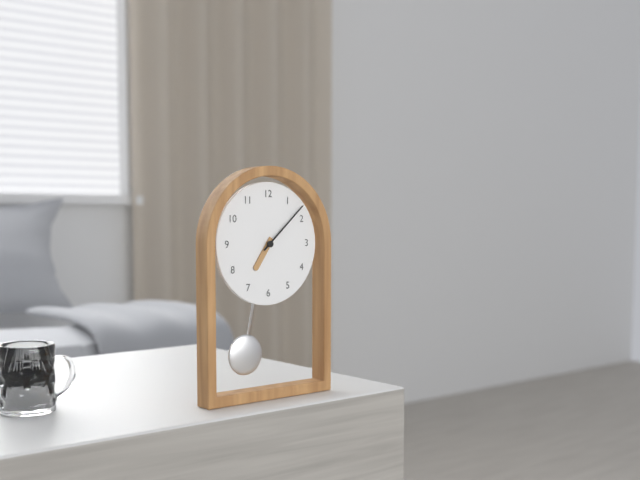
**7:08**
